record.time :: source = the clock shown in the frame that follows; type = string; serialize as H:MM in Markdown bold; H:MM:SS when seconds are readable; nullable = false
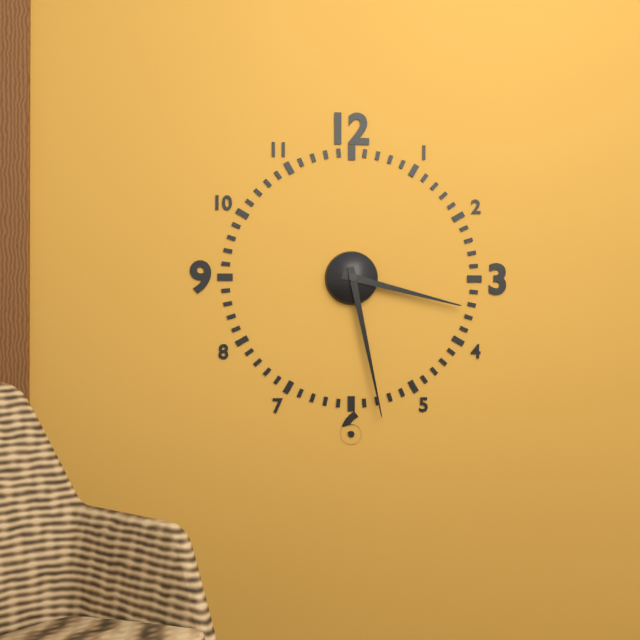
**3:28**
